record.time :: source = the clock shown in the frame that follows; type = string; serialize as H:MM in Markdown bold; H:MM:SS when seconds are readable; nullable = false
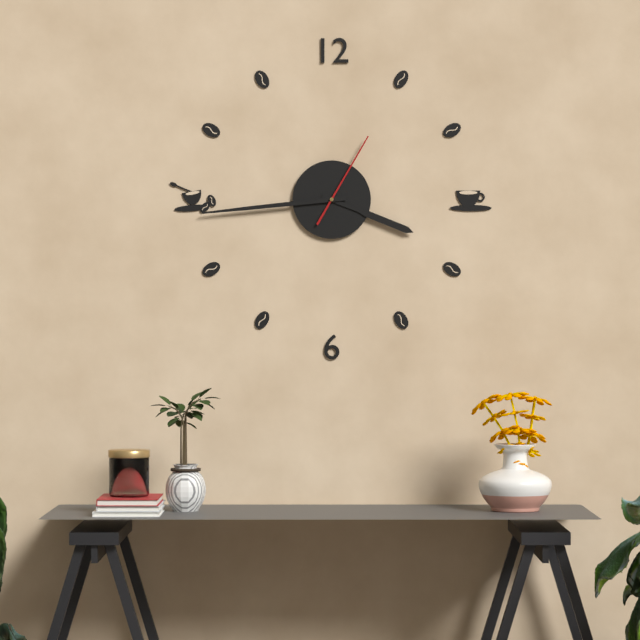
**3:44:05**
